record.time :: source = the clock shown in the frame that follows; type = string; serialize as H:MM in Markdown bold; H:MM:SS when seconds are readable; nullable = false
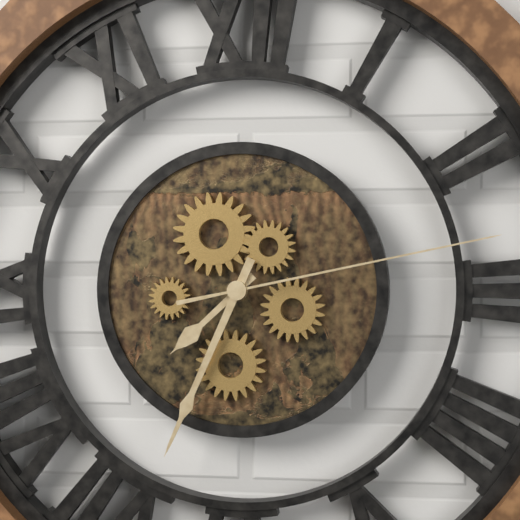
**7:34:13**
